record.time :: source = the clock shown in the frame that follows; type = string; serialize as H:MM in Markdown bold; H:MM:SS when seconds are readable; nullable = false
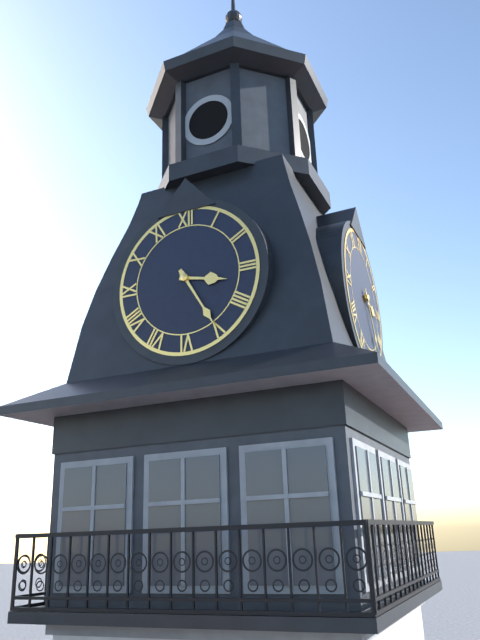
**3:25**
